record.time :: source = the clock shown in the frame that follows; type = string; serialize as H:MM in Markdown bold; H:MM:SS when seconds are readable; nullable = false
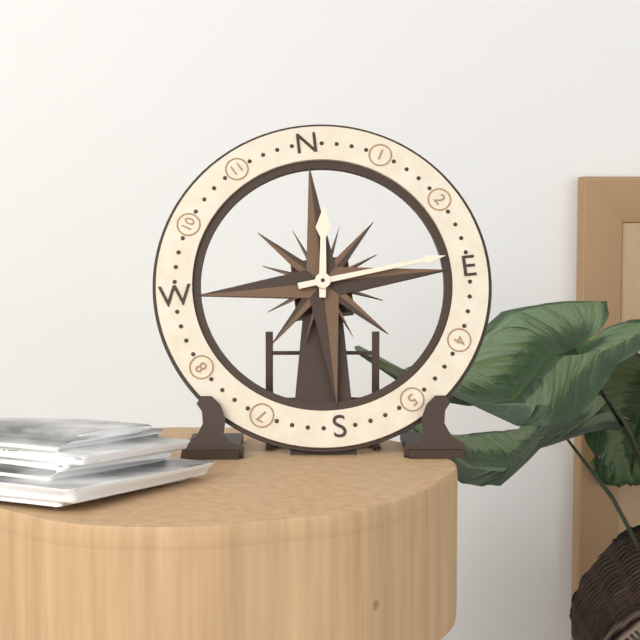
**12:14**
